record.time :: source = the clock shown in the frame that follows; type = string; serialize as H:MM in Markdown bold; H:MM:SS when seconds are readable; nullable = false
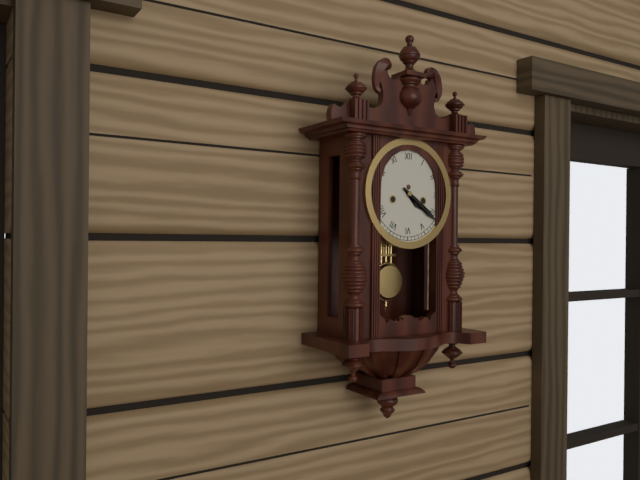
**4:21**
